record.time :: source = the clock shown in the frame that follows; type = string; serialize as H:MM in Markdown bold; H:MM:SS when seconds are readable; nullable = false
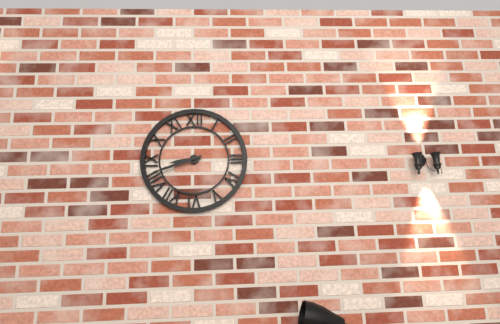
**8:42**
